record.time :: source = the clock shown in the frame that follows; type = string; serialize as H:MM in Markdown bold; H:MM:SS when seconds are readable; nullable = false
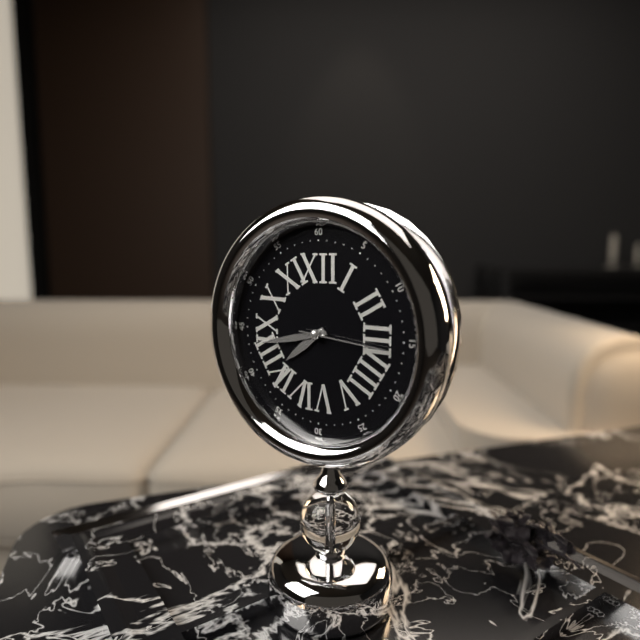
**7:43:16**
